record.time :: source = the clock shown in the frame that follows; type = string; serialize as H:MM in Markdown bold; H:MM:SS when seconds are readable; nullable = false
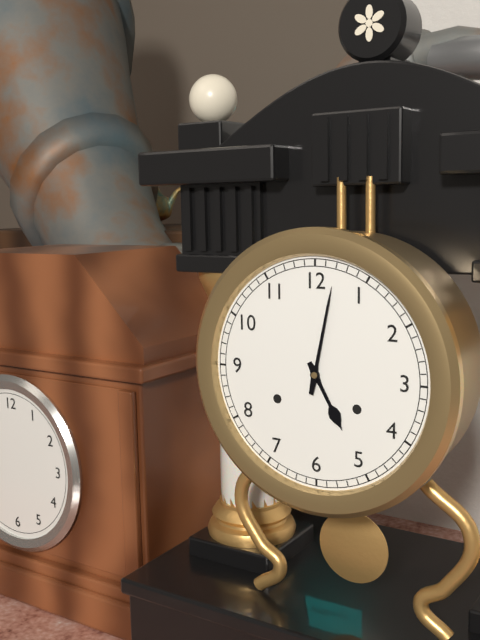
**5:02**
